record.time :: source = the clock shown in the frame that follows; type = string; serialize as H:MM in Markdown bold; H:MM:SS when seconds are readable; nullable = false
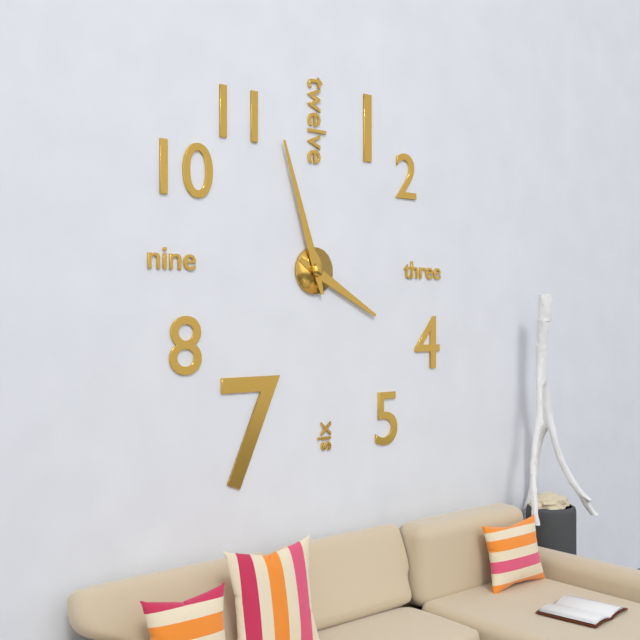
**3:57**
